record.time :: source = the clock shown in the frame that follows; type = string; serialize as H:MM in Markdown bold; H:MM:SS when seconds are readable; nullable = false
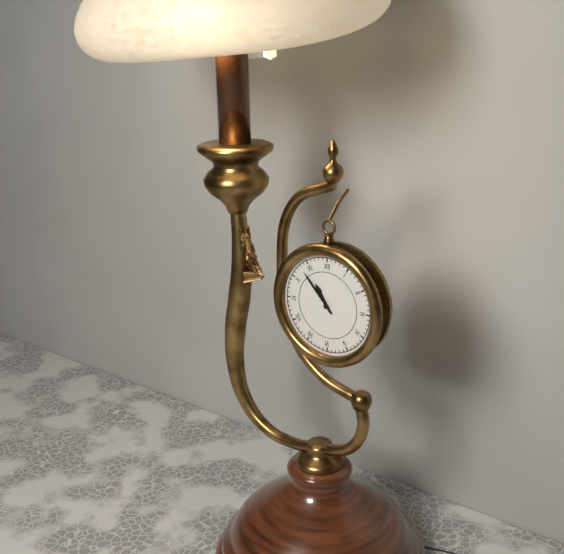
**10:53**
